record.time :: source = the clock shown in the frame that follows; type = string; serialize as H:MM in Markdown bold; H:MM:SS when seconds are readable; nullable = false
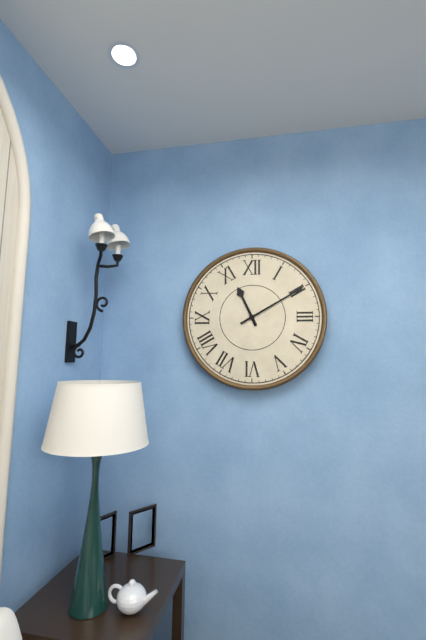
**11:10**
